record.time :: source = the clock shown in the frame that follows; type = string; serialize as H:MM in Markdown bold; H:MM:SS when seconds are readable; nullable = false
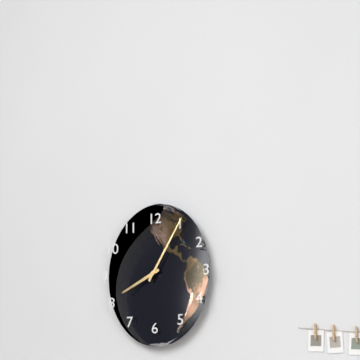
**8:05**
